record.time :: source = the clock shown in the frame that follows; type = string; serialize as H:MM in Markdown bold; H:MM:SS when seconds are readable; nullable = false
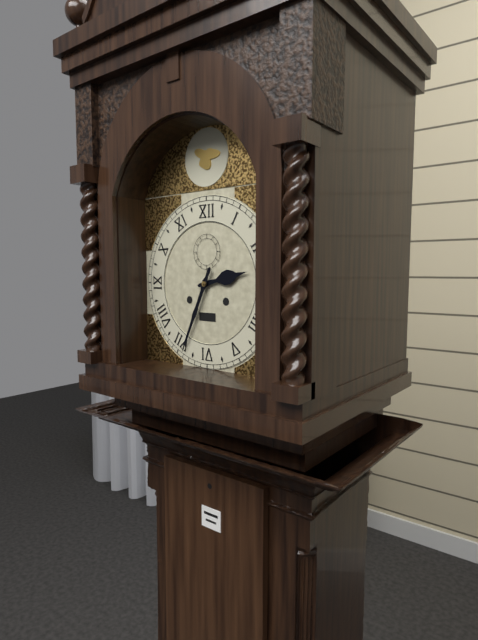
**2:34**
